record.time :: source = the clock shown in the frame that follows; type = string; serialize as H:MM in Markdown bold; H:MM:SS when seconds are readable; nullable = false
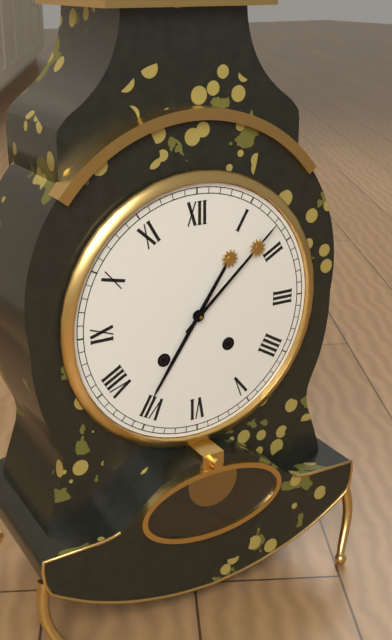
**7:08**
